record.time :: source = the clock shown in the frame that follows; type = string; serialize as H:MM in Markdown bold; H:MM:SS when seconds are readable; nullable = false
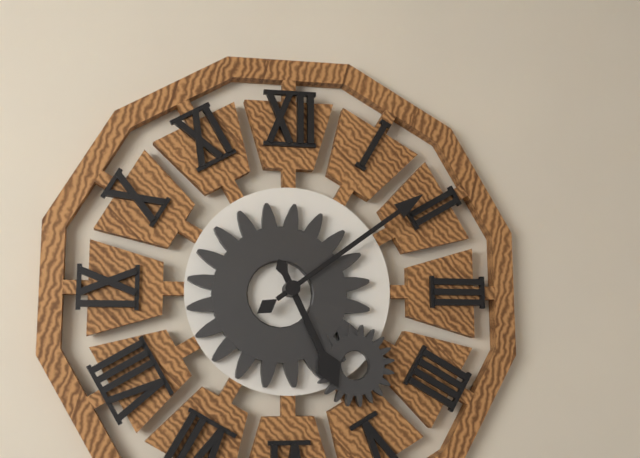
**5:09**
